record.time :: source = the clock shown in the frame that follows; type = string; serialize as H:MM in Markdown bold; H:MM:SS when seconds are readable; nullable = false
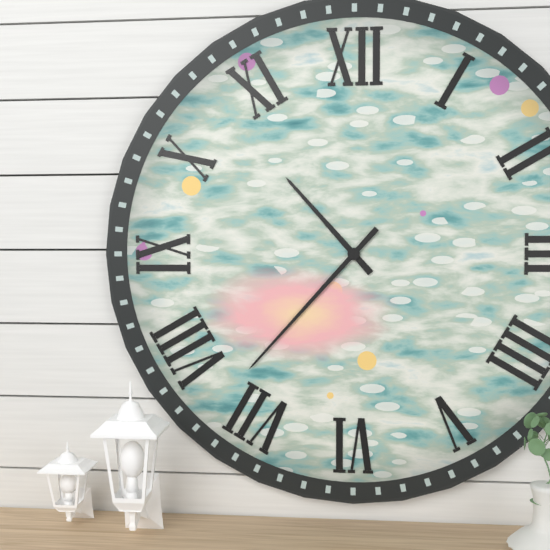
**10:37**
